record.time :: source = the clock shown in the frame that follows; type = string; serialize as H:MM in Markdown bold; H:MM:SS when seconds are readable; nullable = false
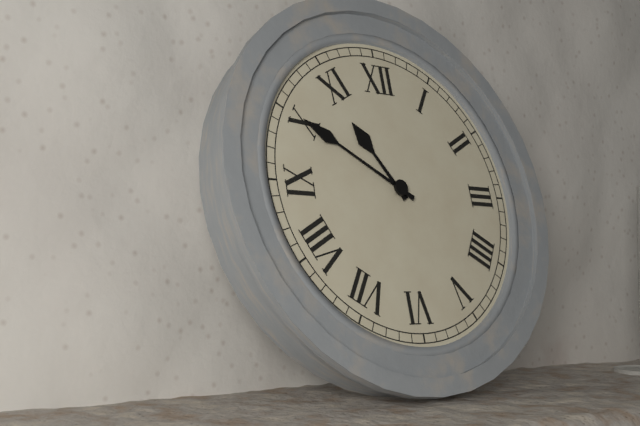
**10:50**
